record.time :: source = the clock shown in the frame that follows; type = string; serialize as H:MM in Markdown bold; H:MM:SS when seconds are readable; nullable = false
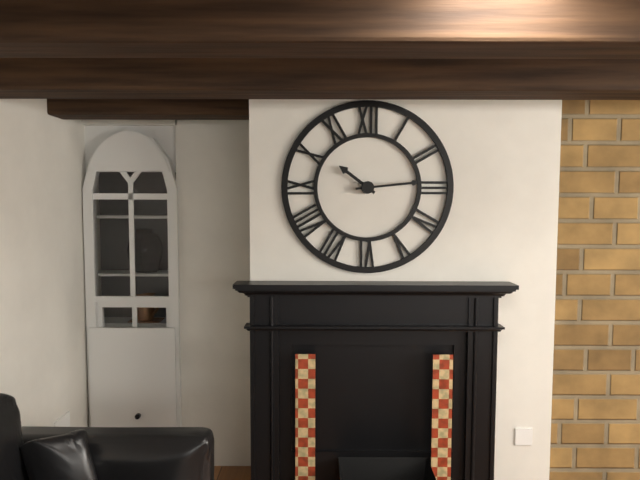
**10:14**
